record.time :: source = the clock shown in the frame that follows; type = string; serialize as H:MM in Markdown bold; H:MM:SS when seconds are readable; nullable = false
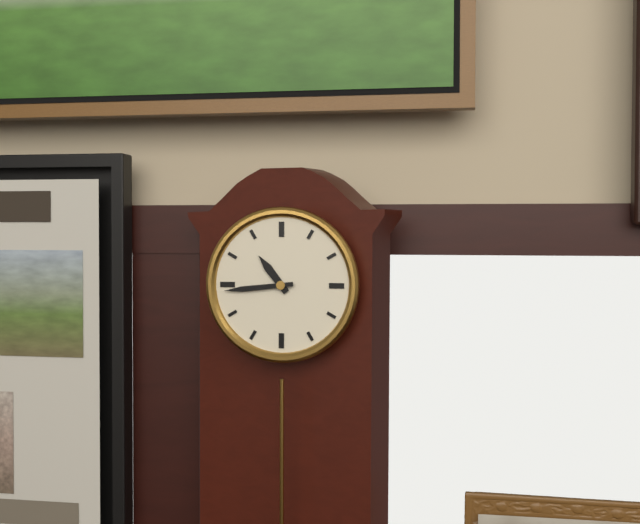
**10:44**
